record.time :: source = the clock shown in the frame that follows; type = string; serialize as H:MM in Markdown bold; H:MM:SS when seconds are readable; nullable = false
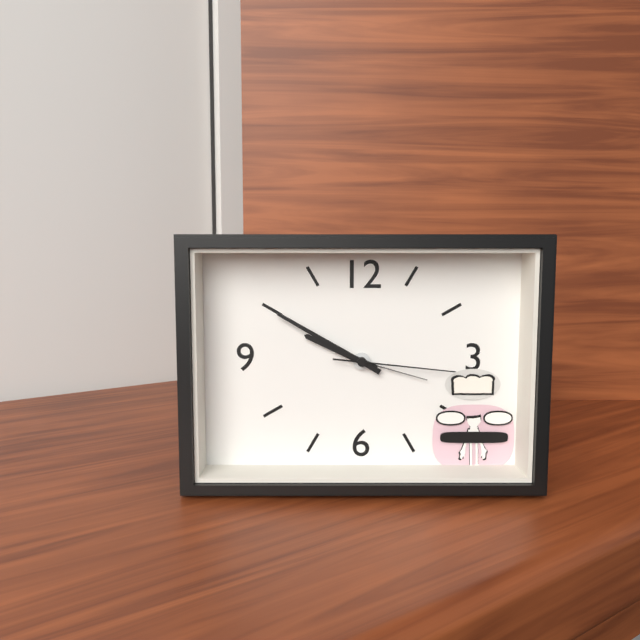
**9:50:16**
